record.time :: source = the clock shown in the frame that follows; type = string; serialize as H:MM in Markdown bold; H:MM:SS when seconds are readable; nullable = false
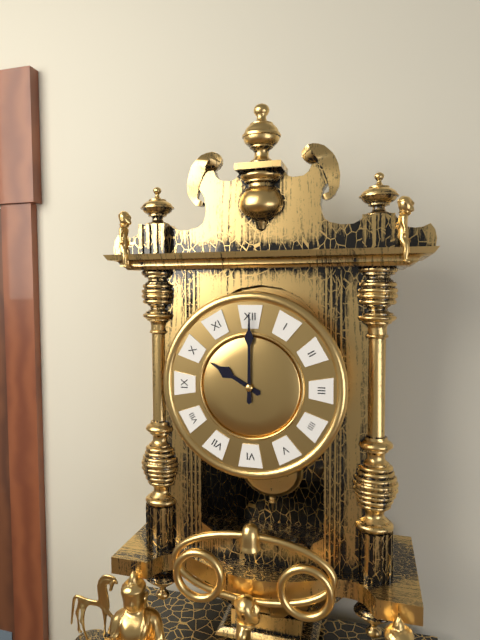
**10:00**
